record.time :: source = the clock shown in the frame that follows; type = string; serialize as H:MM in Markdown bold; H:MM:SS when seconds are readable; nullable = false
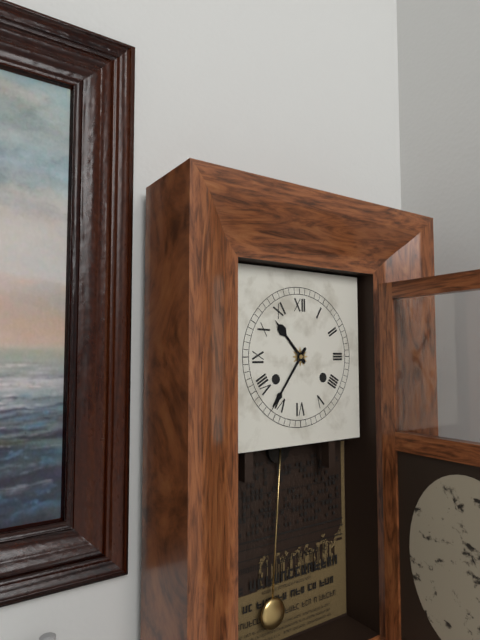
**10:36**
